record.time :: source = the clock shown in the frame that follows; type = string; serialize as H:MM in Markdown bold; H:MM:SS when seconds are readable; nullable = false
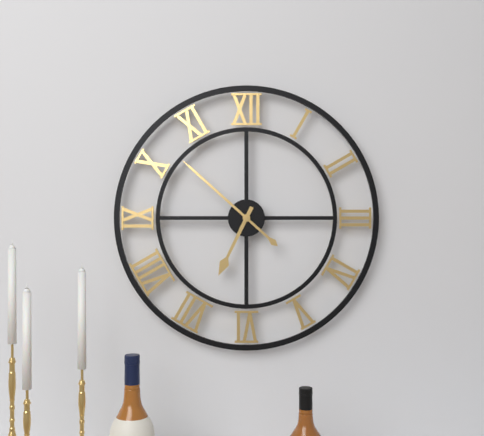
**6:52**
